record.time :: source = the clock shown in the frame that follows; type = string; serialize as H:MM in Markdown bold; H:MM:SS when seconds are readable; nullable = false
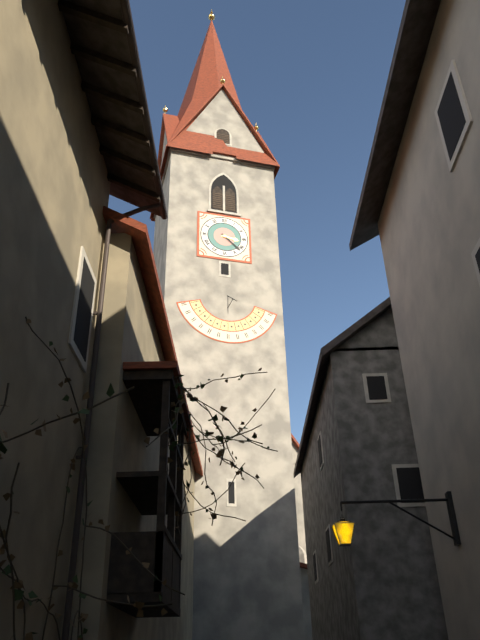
**3:22**
